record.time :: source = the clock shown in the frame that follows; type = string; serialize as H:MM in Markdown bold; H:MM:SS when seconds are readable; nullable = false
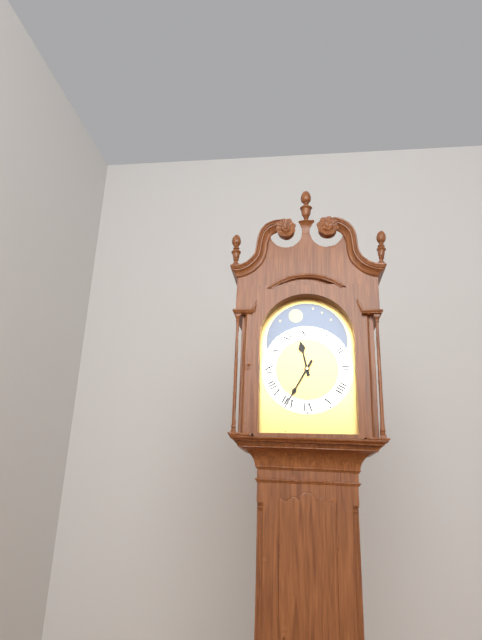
**11:35**
